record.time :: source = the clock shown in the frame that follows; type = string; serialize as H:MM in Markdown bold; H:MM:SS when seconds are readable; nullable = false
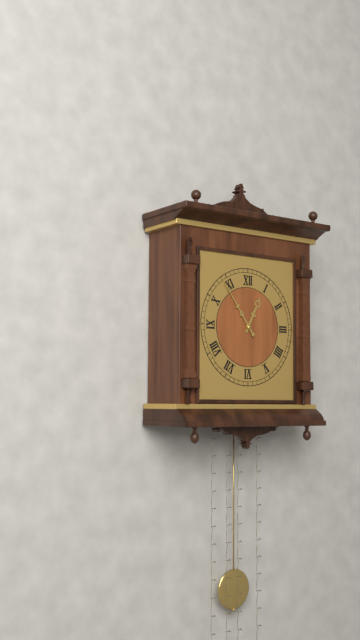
**12:54**
